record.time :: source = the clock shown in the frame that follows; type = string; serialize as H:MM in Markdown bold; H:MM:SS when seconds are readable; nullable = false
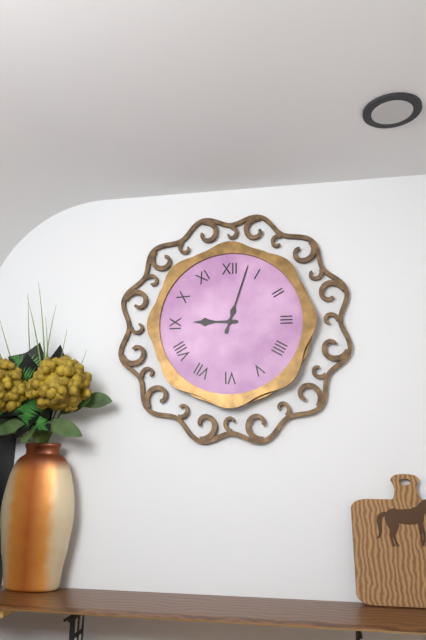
**9:03**
